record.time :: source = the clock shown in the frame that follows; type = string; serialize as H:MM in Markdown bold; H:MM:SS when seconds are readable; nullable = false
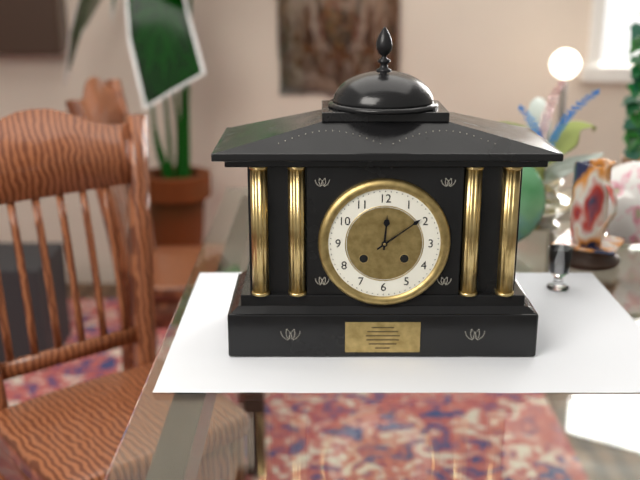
**12:09**
